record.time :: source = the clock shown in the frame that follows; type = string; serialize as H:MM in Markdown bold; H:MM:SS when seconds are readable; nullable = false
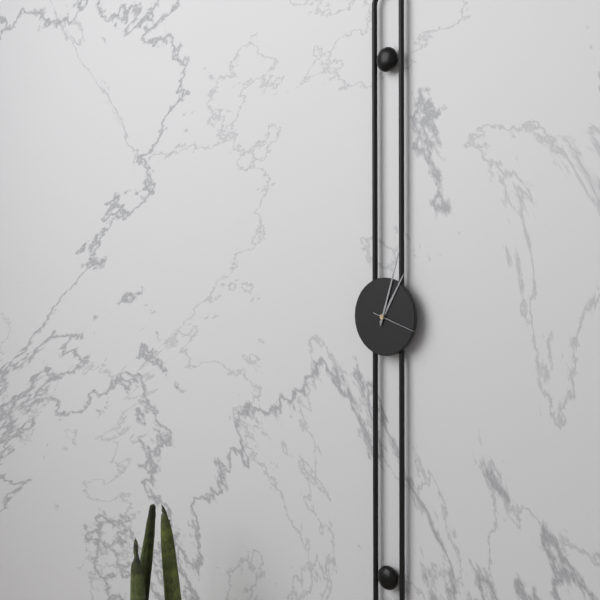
**1:03**
